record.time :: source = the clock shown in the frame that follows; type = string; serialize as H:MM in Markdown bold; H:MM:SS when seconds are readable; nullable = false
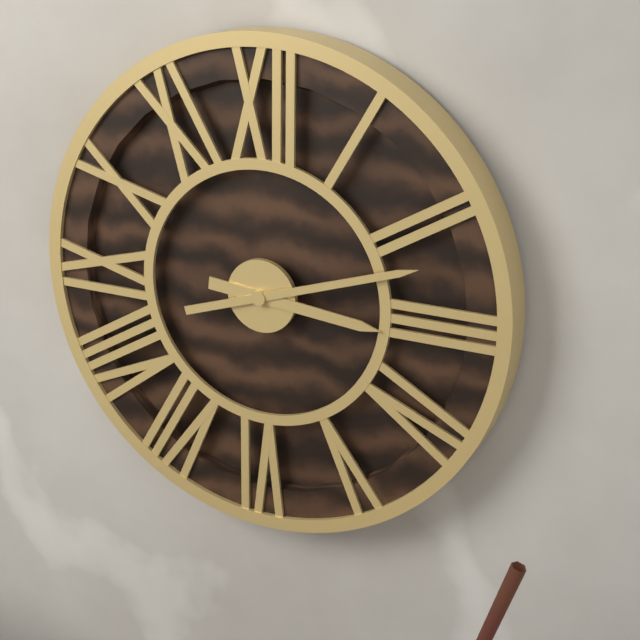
**3:12**
